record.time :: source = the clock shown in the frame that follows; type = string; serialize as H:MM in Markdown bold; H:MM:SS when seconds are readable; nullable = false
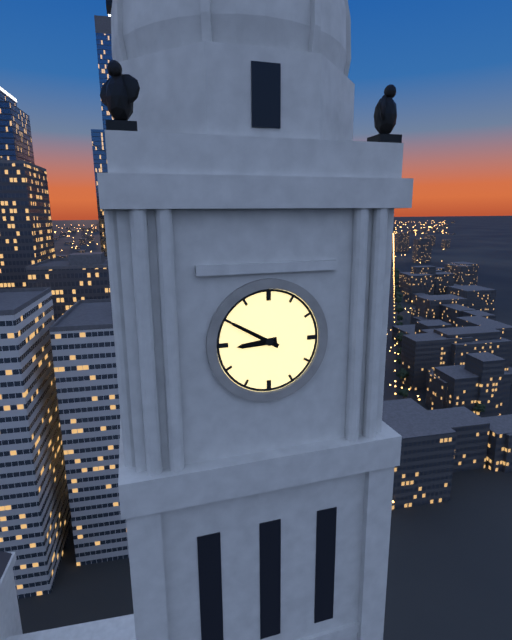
**8:50**
